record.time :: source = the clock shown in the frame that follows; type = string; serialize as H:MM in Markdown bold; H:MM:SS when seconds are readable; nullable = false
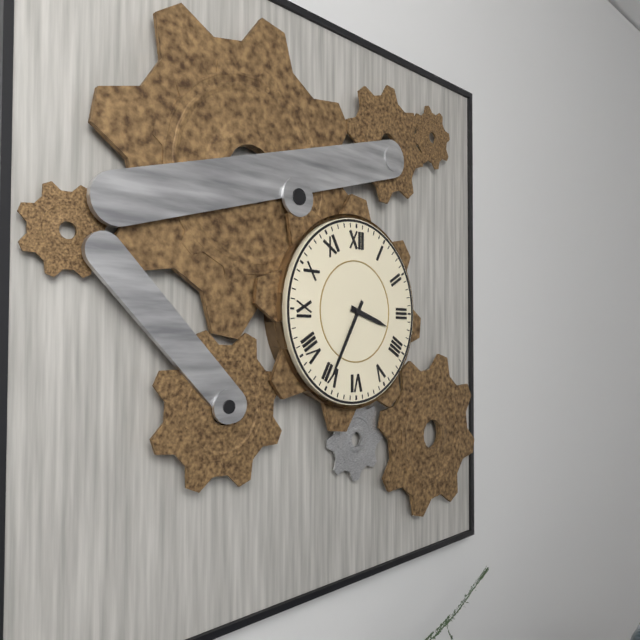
**3:35**
